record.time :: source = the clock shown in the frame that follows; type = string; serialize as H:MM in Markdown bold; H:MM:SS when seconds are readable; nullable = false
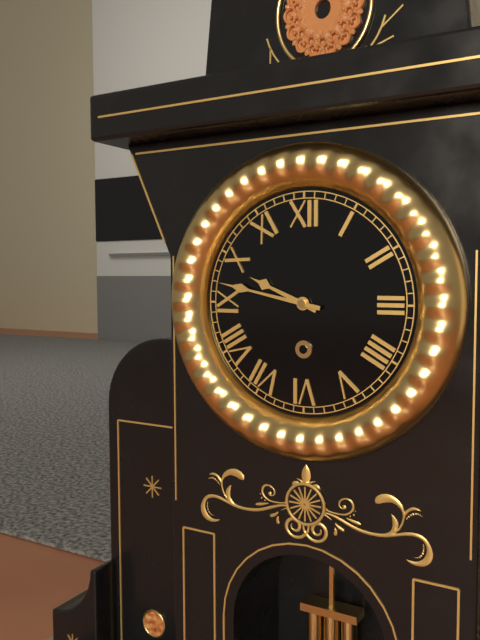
**9:47**
